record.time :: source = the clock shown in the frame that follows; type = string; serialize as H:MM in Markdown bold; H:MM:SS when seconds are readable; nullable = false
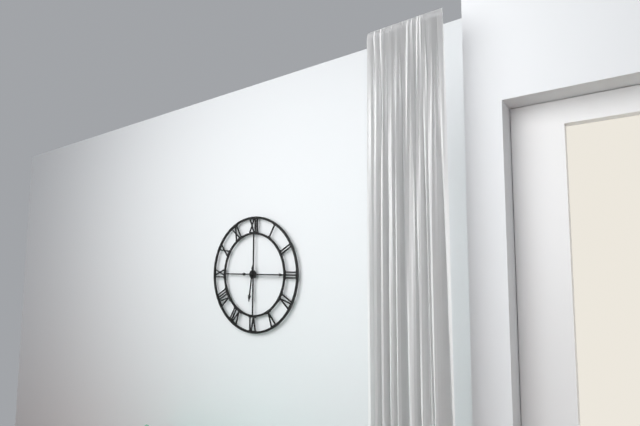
**6:15**
